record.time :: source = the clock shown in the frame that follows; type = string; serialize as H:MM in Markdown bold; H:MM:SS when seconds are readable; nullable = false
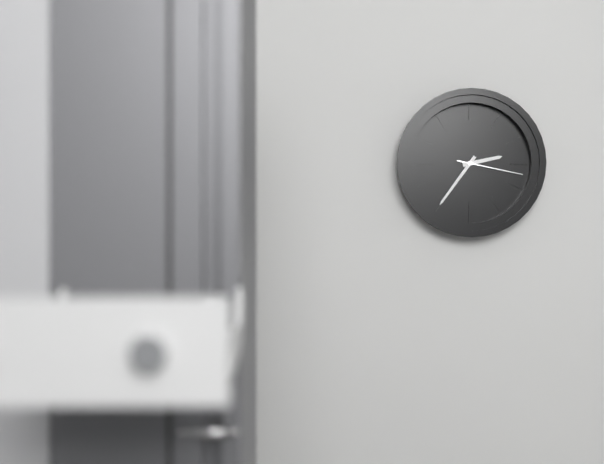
**2:36:17**
